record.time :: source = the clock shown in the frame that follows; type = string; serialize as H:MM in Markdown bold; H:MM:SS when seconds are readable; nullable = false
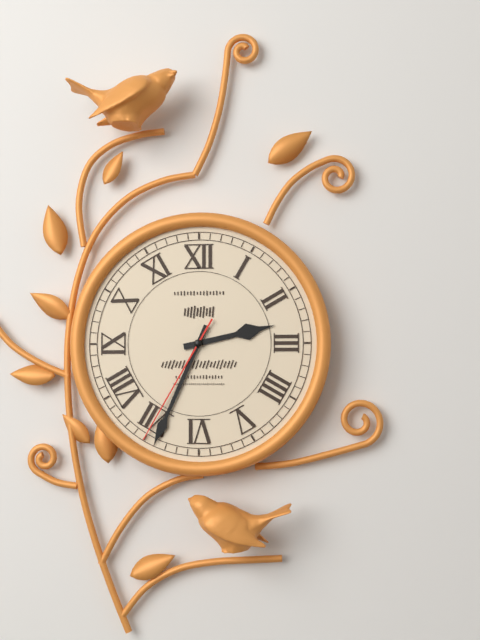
**2:34:35**
